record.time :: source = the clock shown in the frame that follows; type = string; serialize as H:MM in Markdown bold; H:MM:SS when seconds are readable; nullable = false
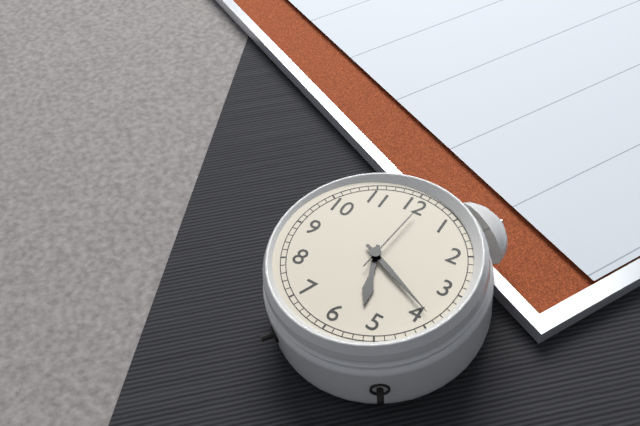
**5:19:01**
